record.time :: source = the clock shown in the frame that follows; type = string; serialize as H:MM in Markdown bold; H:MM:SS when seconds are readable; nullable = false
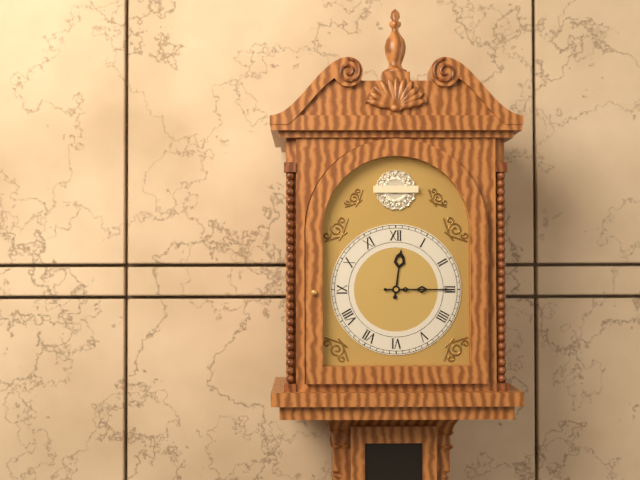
**12:15**
